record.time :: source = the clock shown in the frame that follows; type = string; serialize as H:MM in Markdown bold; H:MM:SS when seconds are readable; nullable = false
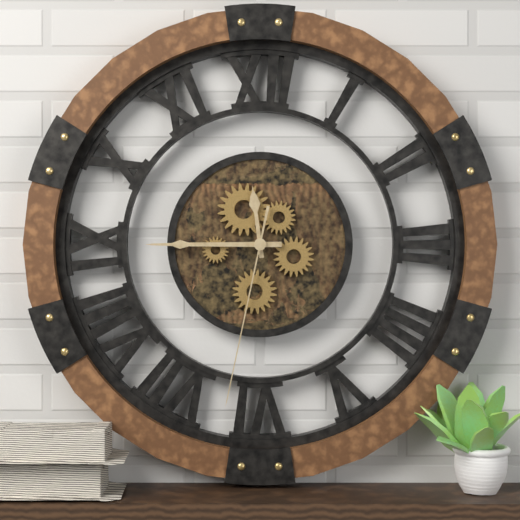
**11:45:32**
